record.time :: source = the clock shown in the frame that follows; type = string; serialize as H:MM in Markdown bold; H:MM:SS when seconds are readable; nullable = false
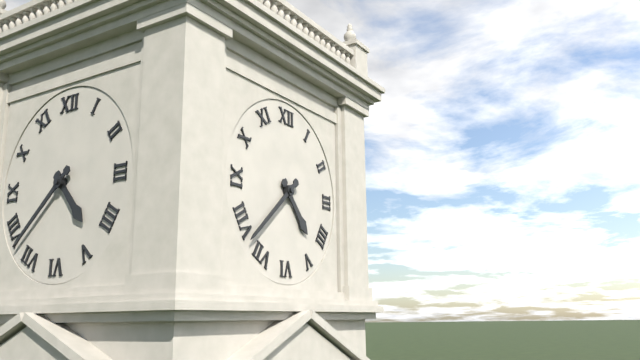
**4:38**
